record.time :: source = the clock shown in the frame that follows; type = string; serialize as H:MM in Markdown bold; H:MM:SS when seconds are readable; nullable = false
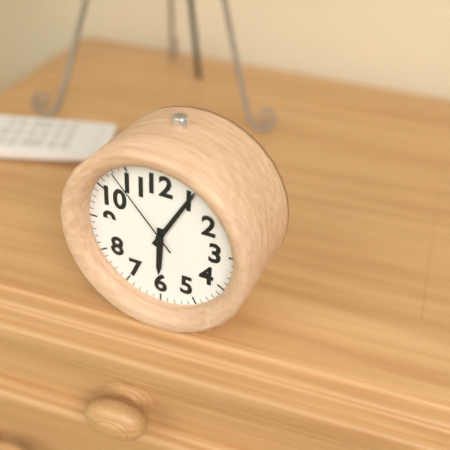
**6:05:53**
